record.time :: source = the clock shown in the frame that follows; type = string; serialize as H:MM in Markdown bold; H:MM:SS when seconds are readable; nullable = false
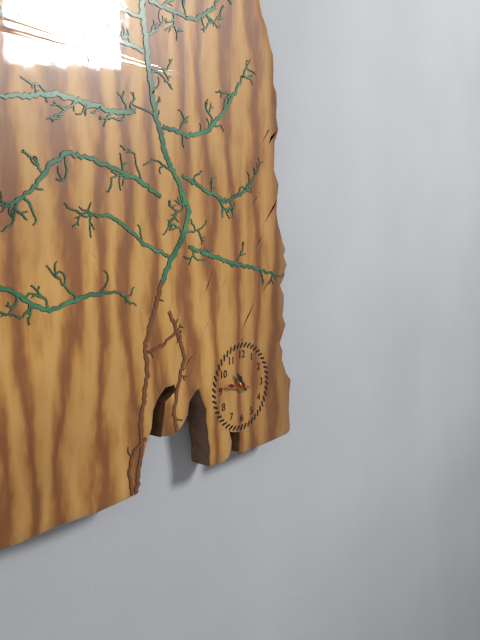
**10:47**
